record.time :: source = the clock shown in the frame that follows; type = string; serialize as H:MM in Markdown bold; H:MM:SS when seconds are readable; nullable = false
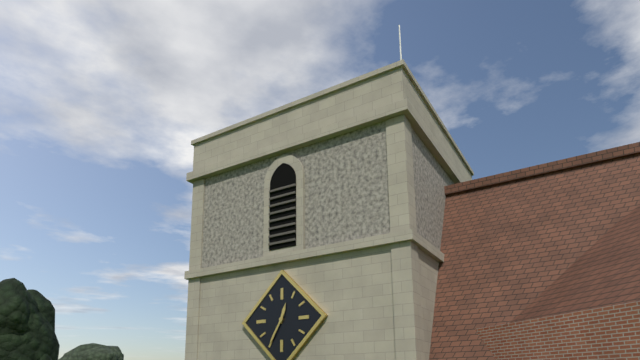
**12:35**
